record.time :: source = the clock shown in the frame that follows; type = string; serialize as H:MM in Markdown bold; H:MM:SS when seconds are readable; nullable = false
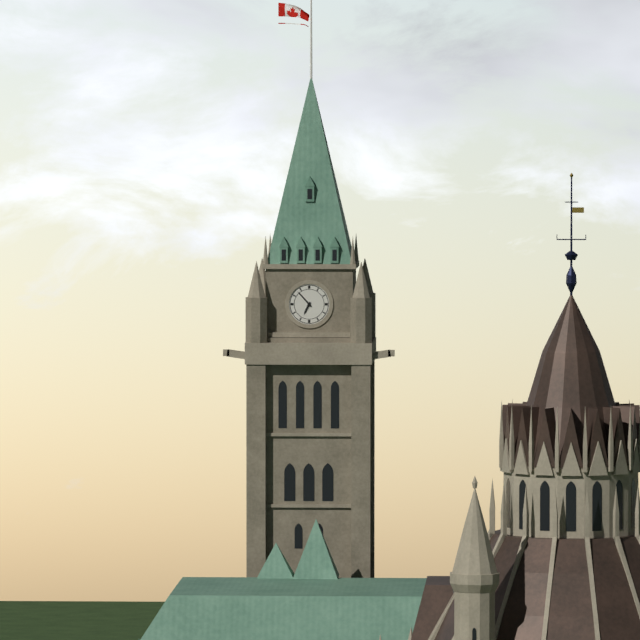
**6:53**
